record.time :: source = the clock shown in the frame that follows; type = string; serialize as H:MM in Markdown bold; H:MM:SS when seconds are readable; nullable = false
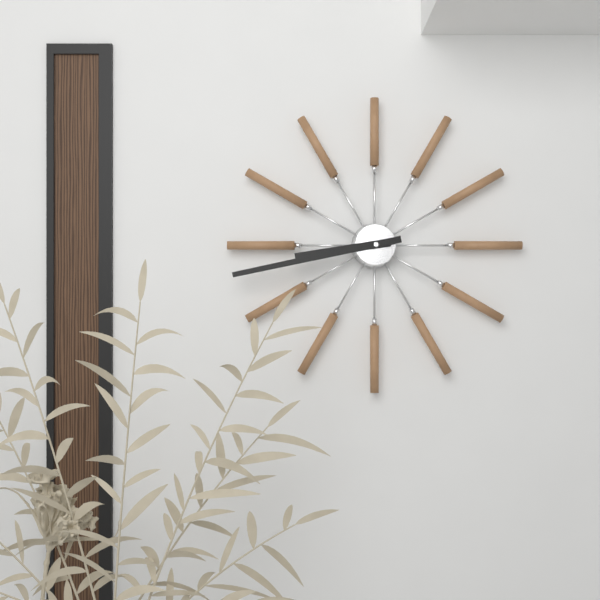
**8:43**
